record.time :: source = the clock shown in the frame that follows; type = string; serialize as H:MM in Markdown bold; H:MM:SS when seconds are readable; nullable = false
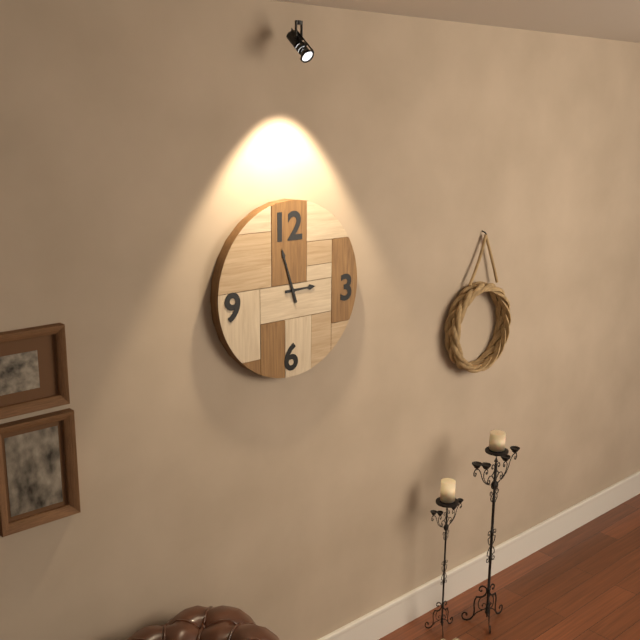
**2:57**
